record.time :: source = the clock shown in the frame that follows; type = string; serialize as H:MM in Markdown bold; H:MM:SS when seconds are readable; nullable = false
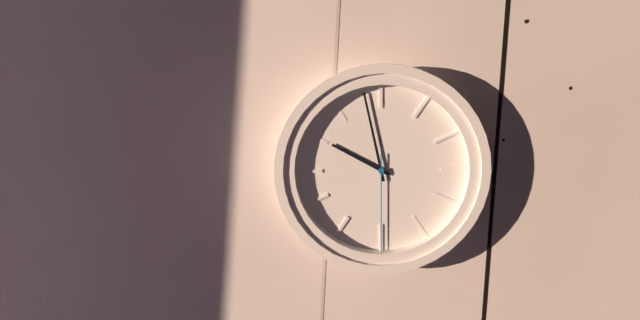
**9:58:30**
